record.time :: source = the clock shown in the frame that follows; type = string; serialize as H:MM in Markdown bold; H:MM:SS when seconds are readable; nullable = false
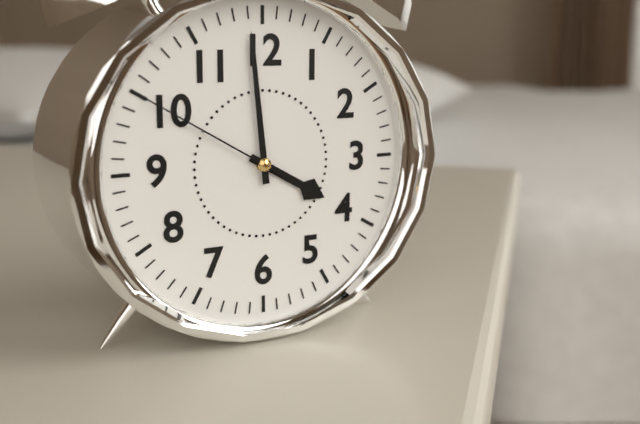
**3:59:50**
